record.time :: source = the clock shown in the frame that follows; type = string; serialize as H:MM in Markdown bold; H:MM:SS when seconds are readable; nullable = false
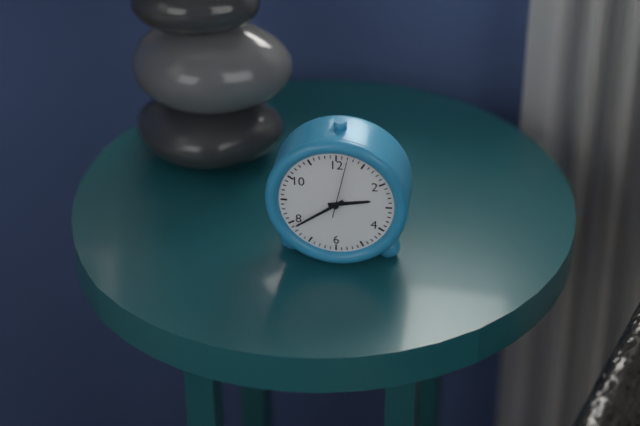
**2:39:02**
